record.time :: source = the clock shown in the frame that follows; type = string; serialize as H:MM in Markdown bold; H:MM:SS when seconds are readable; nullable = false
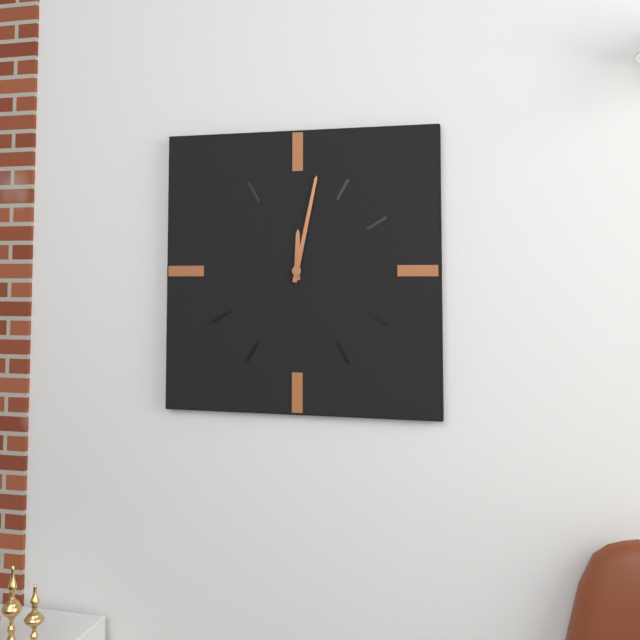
**12:02**
